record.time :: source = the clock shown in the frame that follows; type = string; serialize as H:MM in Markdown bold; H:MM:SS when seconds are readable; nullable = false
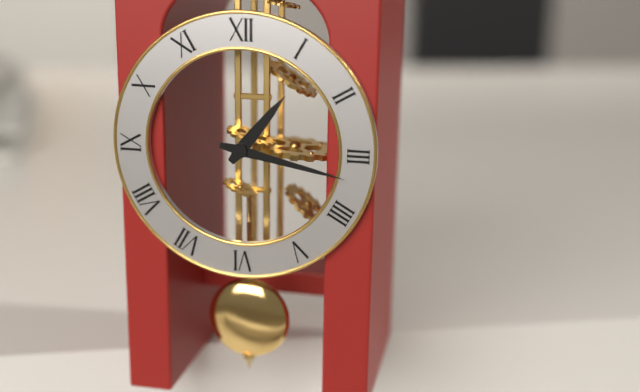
**1:17**
